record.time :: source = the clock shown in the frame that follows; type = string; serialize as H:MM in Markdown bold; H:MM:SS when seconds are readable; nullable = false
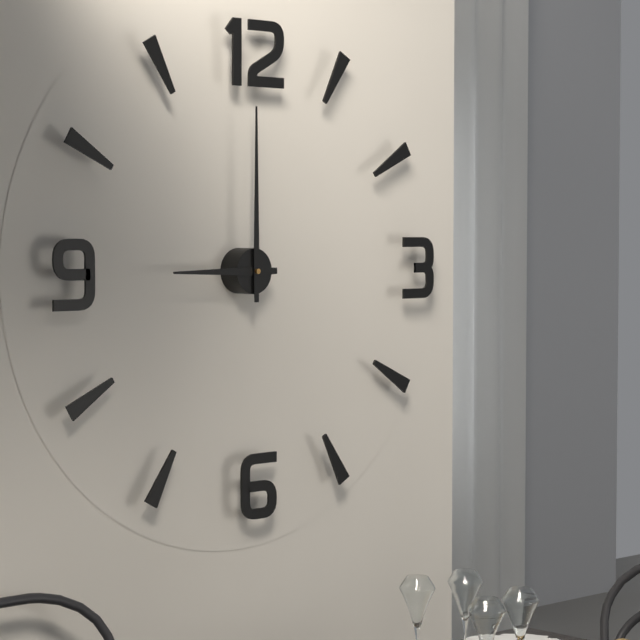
**9:00**
